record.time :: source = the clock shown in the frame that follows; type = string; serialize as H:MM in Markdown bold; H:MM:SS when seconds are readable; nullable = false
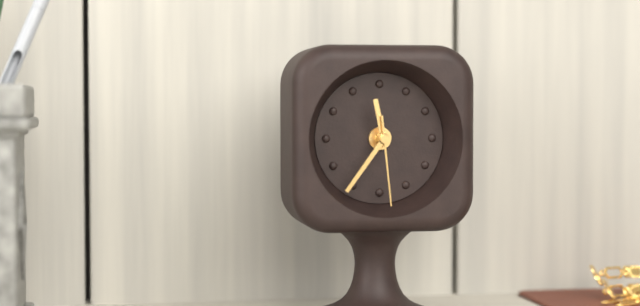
**11:36:29**
